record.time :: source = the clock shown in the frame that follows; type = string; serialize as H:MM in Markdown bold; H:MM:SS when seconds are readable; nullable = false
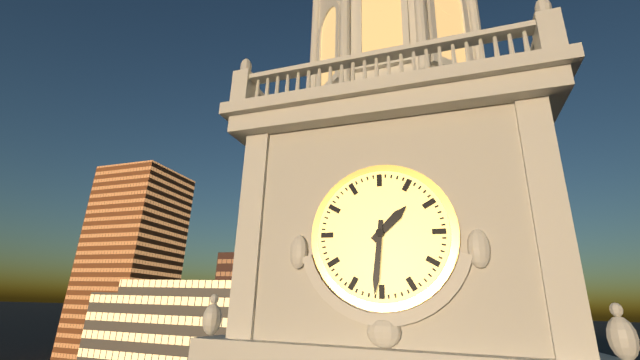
**1:31**
